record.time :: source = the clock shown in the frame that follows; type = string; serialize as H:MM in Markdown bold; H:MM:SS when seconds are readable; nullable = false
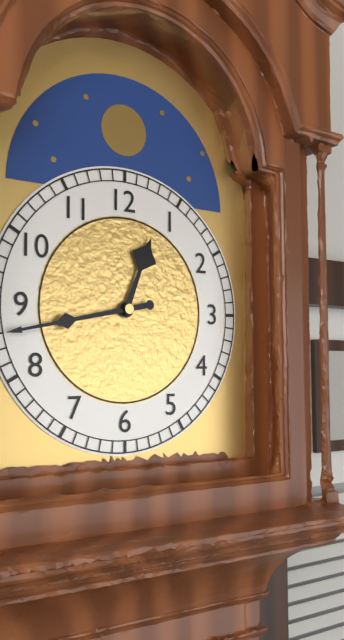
**12:43**
